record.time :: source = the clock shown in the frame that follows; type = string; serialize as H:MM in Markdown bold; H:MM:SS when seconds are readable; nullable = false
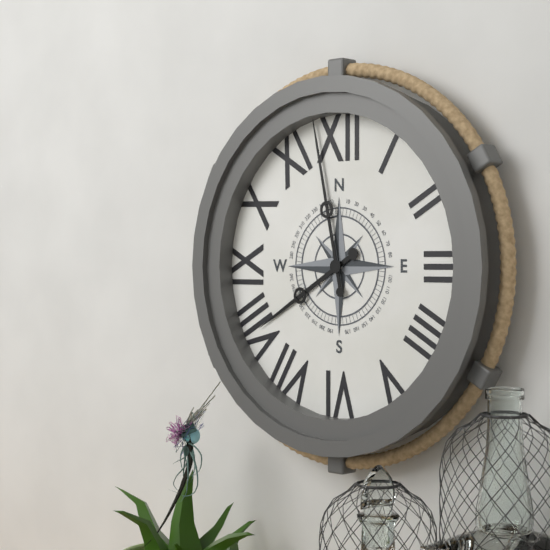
**7:58**
